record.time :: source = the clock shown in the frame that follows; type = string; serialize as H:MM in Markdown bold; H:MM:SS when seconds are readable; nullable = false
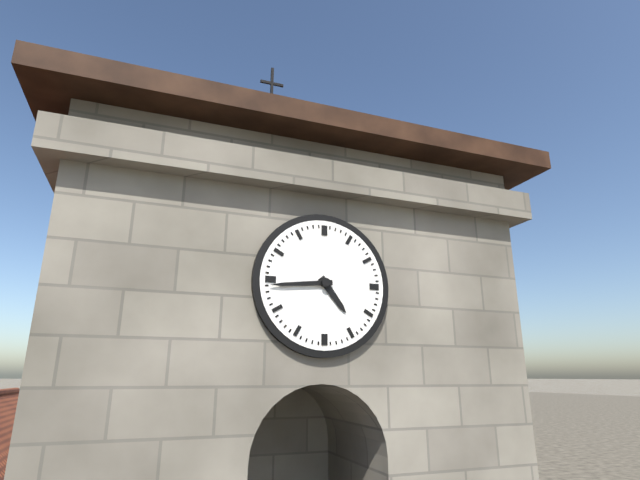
**4:44**
